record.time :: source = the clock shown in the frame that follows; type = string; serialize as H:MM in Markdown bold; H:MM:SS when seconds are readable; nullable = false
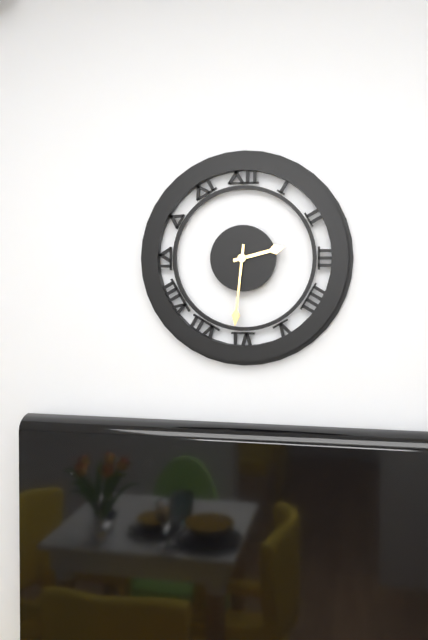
**2:31**
